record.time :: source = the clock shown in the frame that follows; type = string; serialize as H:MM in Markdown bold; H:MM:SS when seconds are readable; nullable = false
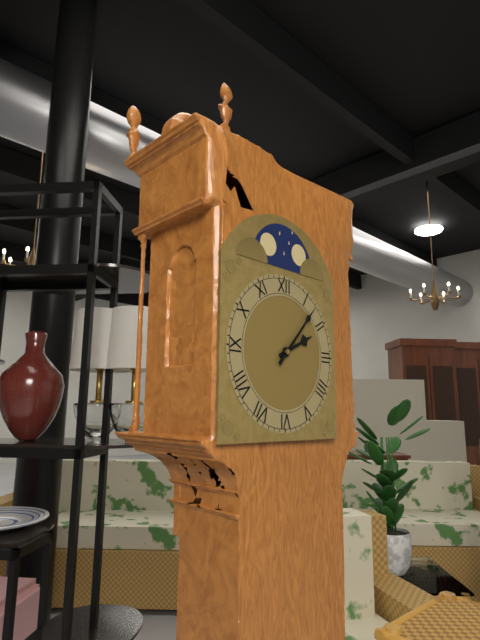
**2:07**
